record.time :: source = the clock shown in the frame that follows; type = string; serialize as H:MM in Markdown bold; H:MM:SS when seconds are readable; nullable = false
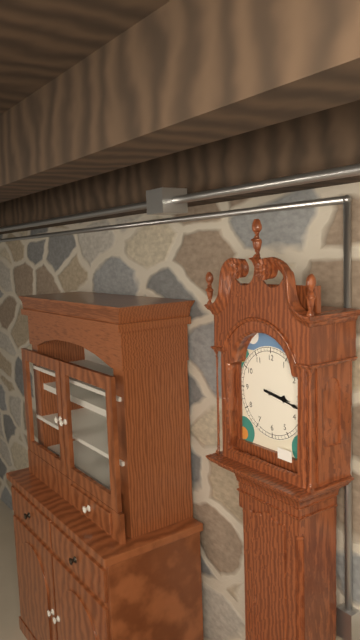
**3:17**
